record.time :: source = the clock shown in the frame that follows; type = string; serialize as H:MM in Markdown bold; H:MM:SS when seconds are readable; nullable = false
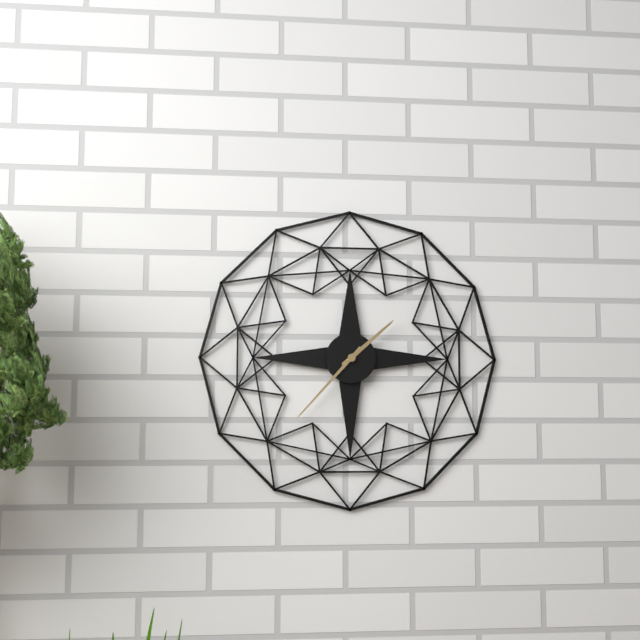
**1:37**
